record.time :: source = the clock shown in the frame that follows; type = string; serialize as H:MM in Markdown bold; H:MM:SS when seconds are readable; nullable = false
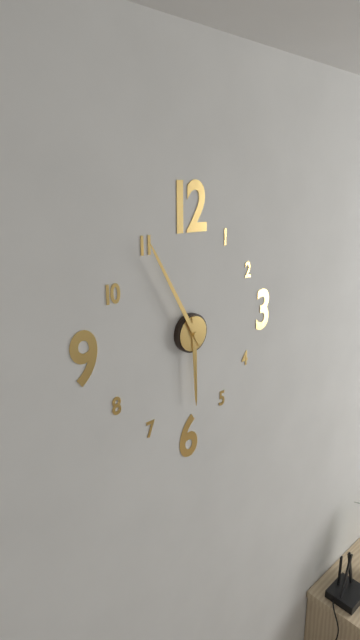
**5:55**
